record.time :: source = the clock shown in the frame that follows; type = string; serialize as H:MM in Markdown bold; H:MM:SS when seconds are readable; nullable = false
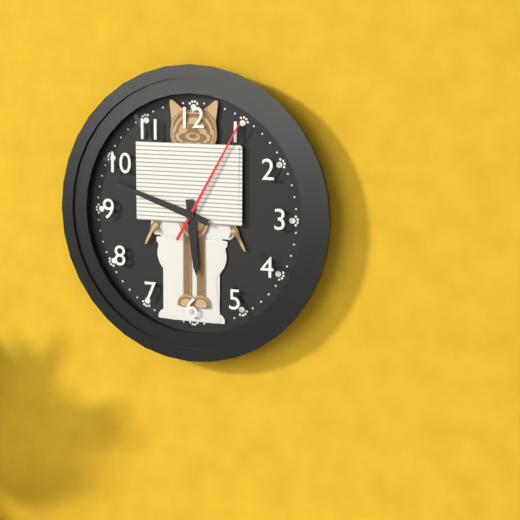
**5:48:05**
